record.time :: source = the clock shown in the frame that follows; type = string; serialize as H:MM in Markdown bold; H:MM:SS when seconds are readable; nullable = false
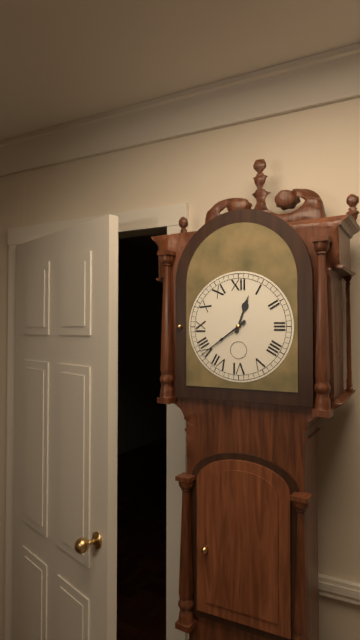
**12:39**
